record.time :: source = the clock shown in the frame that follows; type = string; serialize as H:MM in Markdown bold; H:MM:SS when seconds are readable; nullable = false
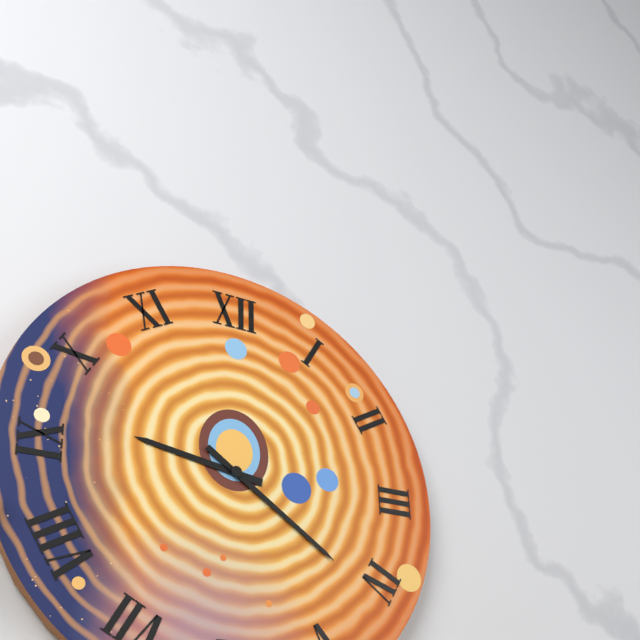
**9:21**
